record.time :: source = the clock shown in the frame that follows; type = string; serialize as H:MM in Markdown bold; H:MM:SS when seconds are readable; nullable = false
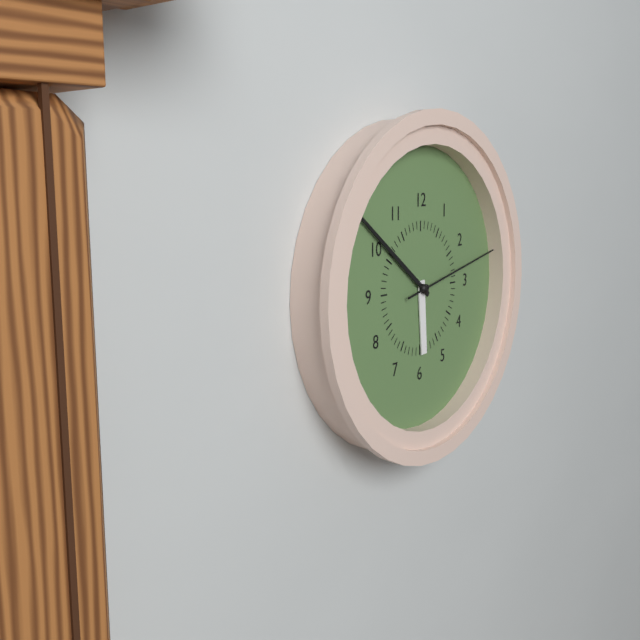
**5:51:13**
